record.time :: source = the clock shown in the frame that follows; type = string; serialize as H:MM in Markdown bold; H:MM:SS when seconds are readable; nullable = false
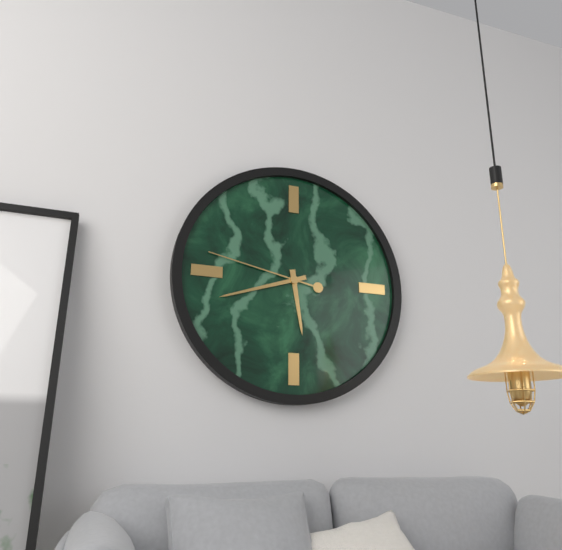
**5:42:47**
